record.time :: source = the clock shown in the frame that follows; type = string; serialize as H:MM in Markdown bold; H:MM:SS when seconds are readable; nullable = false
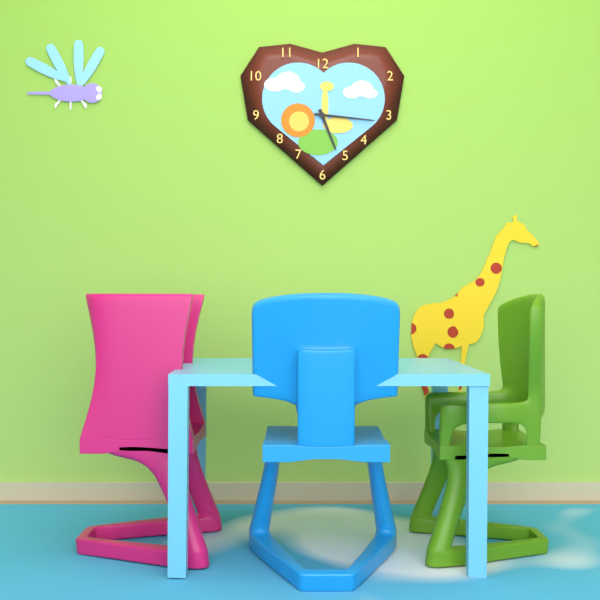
**5:16**
